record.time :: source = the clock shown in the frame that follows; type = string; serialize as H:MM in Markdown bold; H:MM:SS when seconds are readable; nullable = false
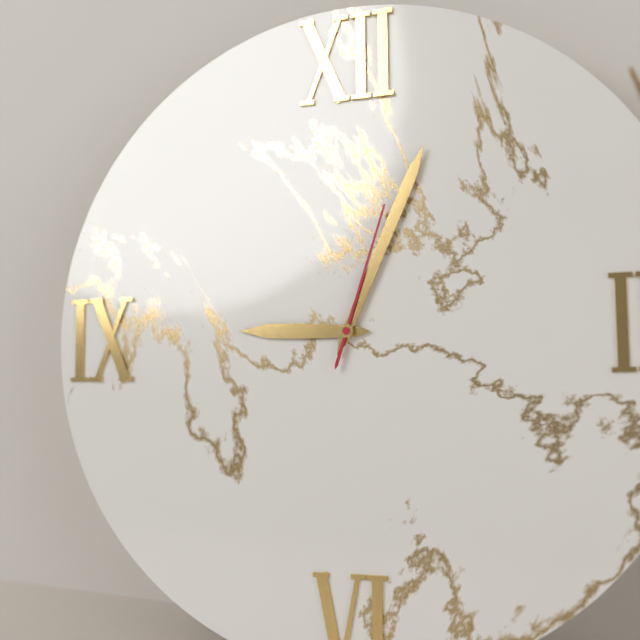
**9:04:03**
